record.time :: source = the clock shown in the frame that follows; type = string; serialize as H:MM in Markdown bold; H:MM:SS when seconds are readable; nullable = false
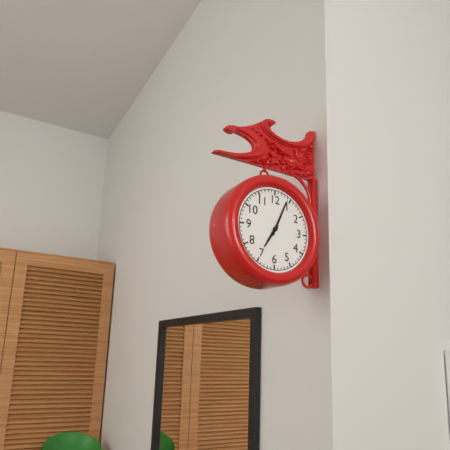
**7:04**
